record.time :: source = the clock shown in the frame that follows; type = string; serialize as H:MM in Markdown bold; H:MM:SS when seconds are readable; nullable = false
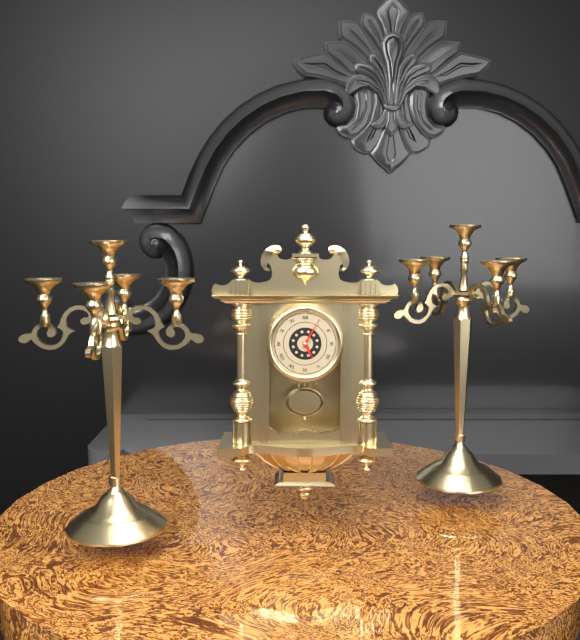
**5:05**
